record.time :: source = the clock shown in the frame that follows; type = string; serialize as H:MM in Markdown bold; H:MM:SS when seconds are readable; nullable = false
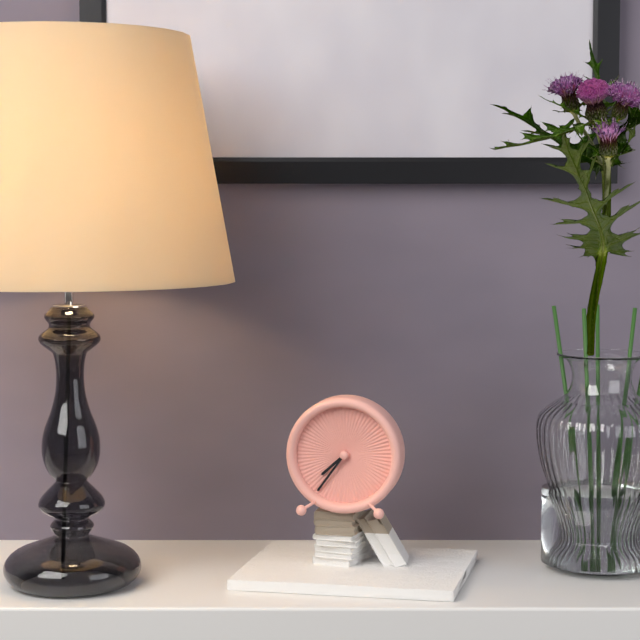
**7:36**
